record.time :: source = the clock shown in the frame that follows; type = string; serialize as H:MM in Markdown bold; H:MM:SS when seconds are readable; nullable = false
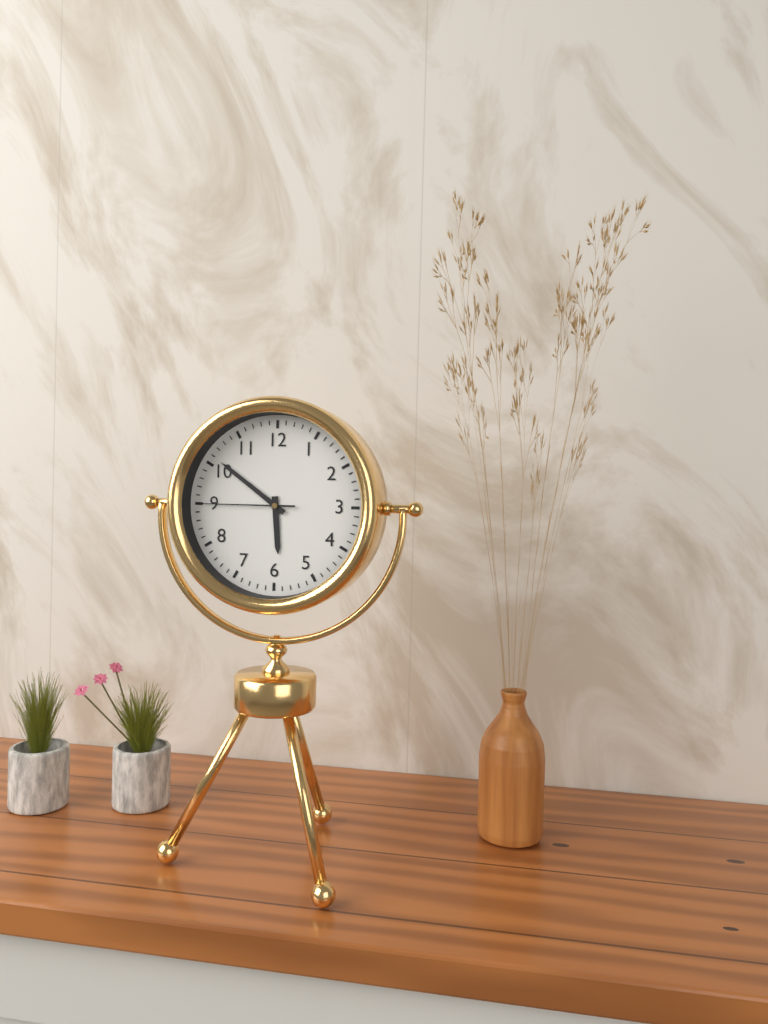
**5:51:45**
